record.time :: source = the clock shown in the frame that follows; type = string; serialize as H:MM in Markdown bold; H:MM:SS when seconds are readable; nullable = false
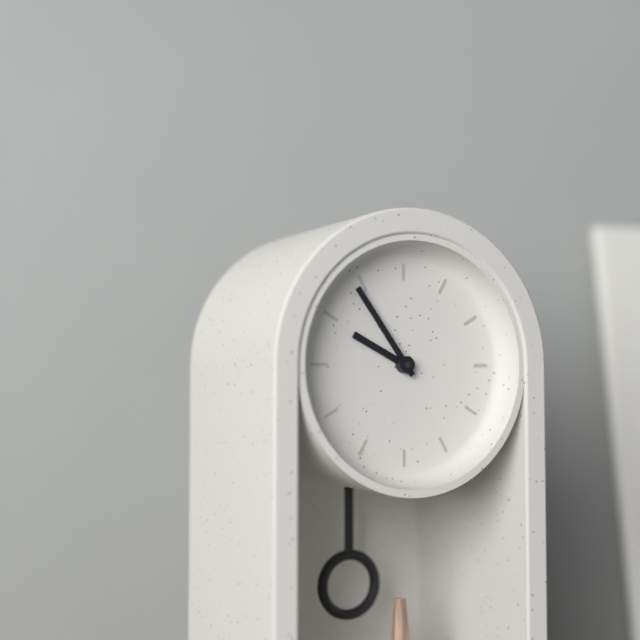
**9:54**
